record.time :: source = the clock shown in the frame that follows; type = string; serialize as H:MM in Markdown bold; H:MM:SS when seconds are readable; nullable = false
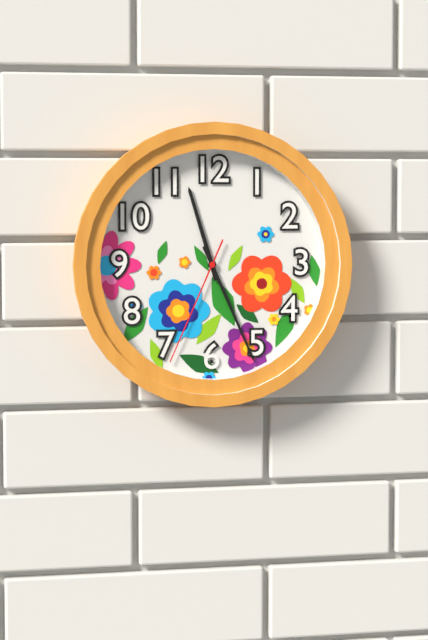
**11:26:34**
